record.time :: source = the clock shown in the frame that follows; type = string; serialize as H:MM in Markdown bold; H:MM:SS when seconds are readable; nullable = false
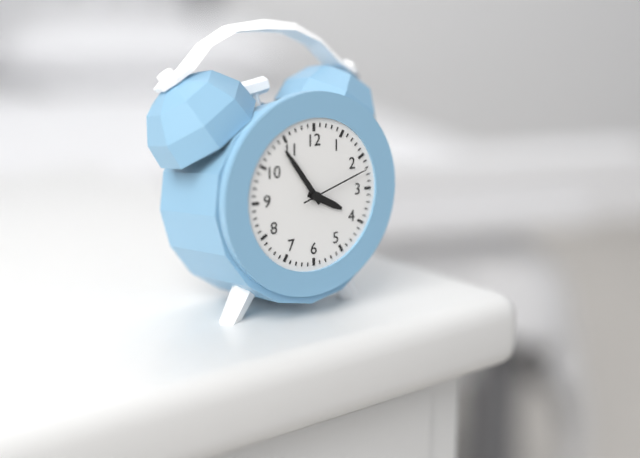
**3:54:12**
